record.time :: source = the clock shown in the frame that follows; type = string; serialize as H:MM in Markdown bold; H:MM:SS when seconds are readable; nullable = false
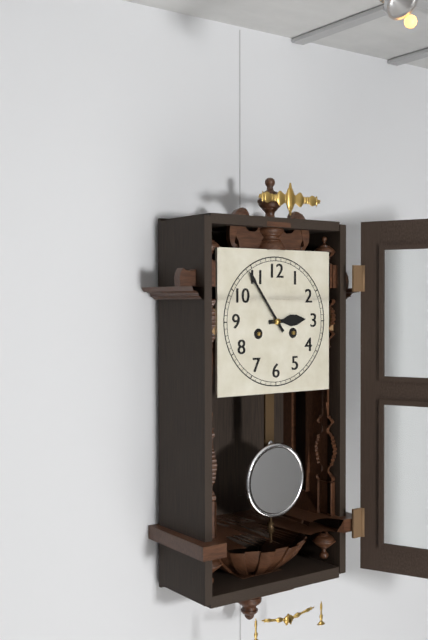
**2:54**
